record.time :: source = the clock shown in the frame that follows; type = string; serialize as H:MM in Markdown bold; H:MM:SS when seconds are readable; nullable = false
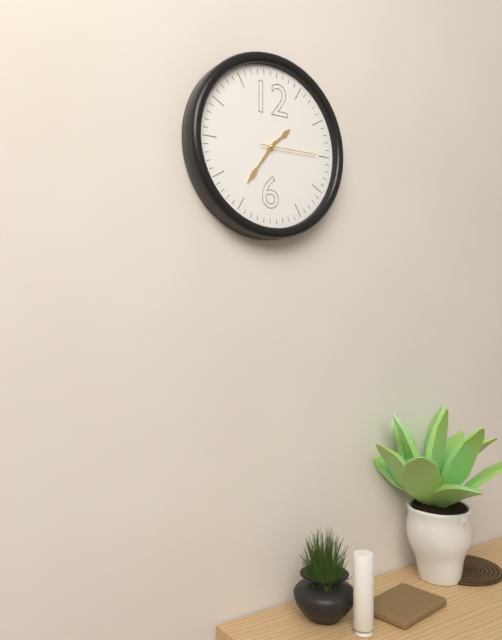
**1:36:15**
